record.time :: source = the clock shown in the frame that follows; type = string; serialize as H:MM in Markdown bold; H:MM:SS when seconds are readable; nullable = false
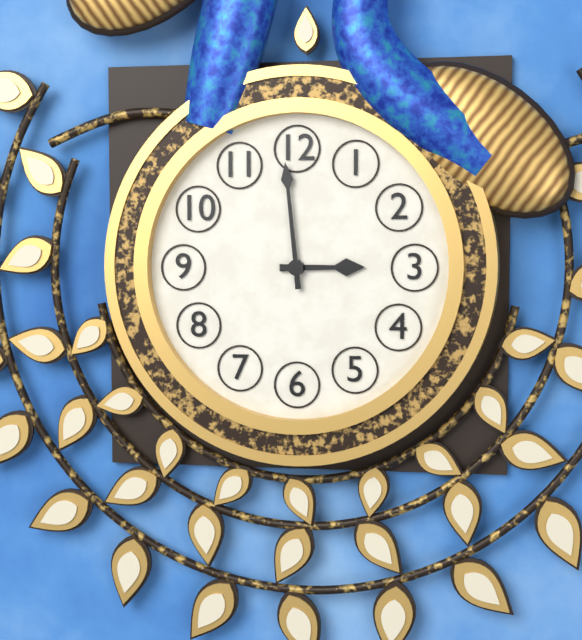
**2:59**
